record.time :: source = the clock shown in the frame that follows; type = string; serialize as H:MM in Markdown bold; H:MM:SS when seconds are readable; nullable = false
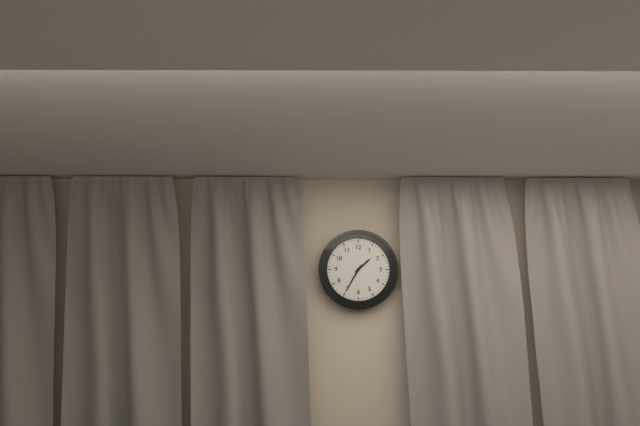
**1:35**
